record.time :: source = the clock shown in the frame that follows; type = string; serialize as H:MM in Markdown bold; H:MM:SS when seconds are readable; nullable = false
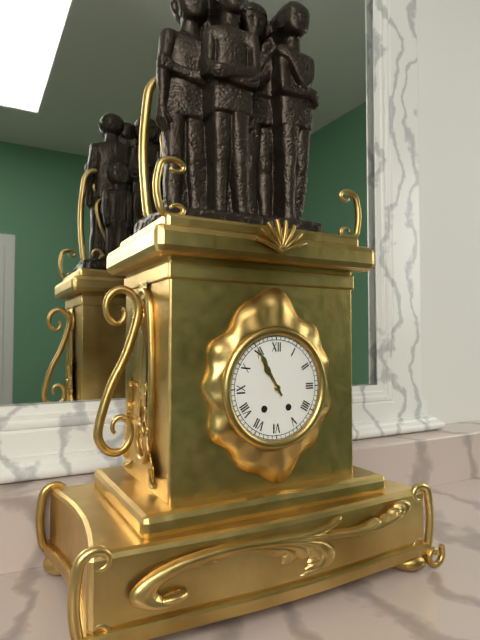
**10:55**
